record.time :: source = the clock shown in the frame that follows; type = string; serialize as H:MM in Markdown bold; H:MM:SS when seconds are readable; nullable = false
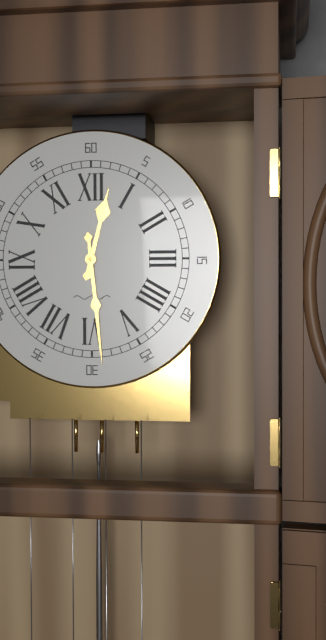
**12:29**
